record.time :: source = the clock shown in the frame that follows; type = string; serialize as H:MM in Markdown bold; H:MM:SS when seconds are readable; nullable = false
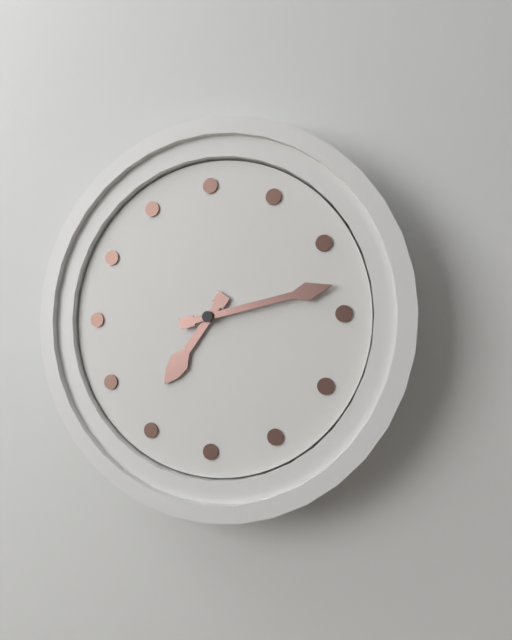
**7:13**
